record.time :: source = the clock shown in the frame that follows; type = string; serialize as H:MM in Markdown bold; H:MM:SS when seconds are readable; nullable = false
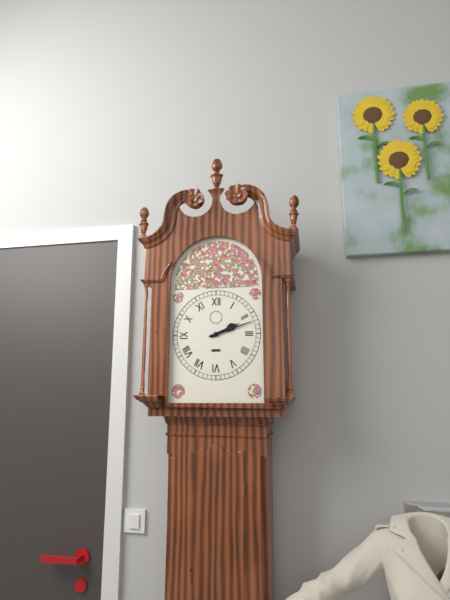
**2:12**
